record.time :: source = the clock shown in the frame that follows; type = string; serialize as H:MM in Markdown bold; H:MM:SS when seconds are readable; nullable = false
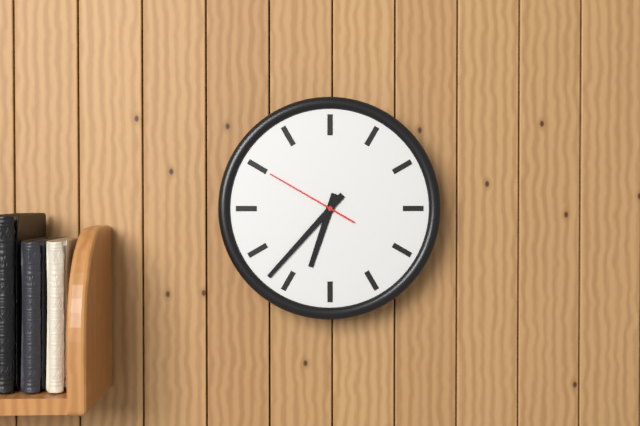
**6:37:50**
